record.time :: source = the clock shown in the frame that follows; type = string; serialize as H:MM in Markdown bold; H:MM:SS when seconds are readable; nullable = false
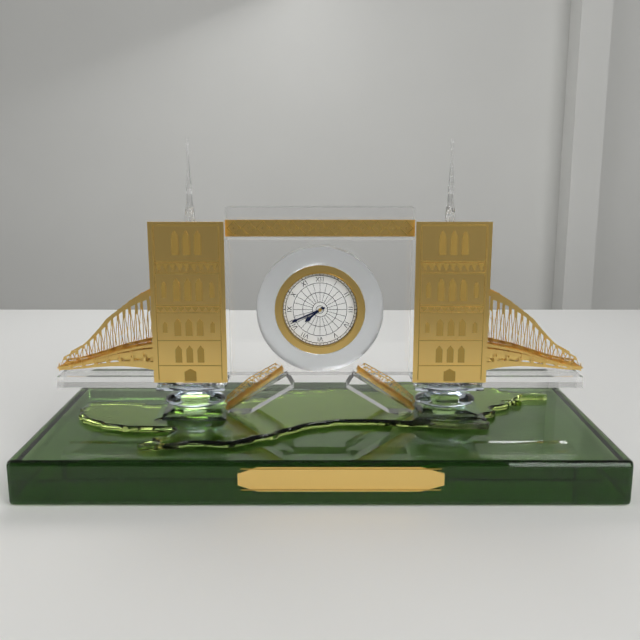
**7:41**
